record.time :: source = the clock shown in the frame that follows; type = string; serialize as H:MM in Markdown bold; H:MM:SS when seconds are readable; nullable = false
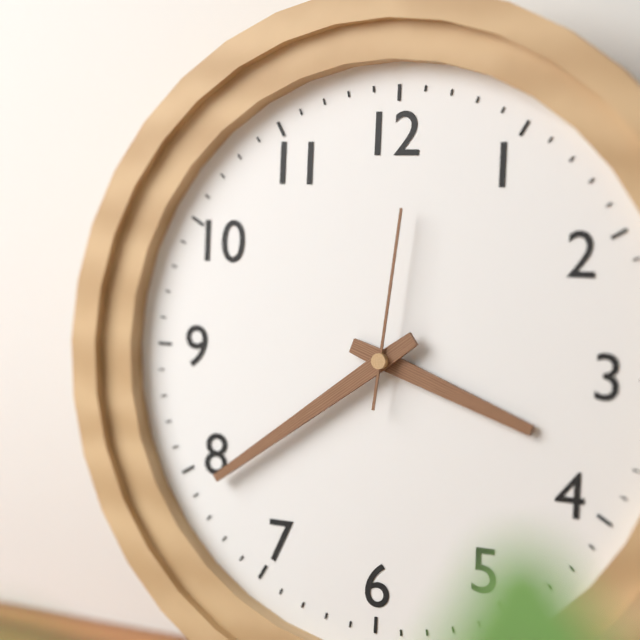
**3:39:01**
